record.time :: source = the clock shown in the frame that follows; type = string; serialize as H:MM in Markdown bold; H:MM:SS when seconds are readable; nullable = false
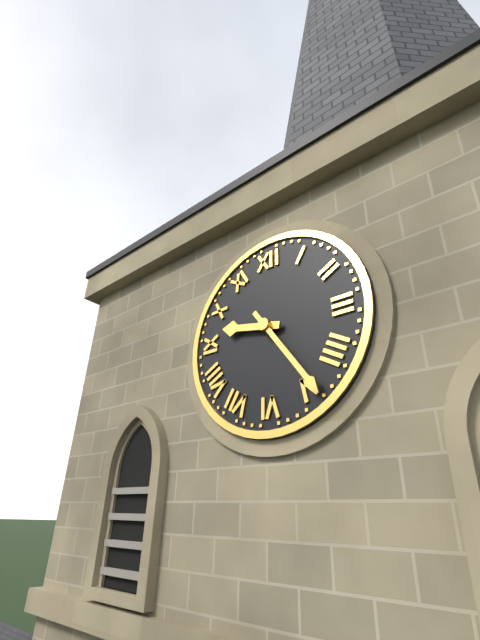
**9:24**
